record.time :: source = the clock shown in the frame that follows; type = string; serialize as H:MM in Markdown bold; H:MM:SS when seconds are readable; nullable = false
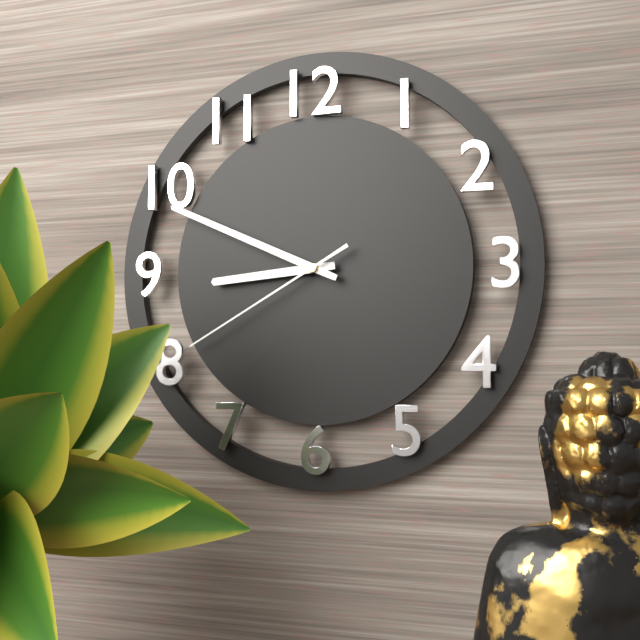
**8:49:40**
